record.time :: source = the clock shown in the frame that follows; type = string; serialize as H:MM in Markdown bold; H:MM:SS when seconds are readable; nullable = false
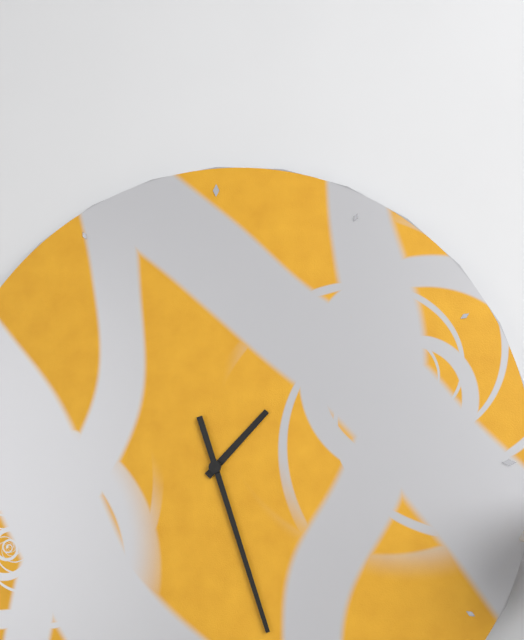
**1:27**
